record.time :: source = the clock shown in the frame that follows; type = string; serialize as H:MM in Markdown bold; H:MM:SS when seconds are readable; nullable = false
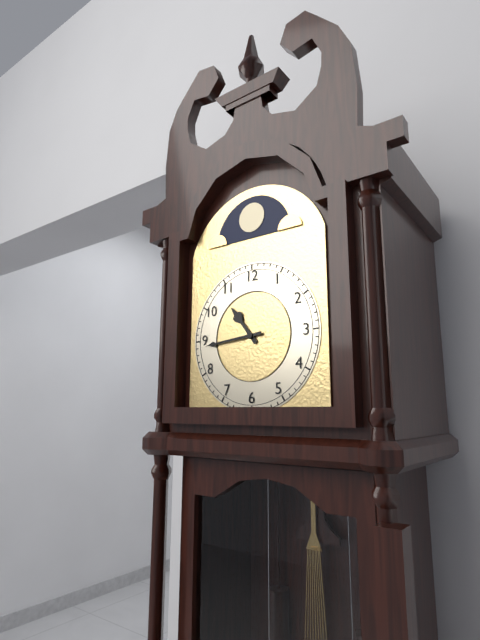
**10:44**
